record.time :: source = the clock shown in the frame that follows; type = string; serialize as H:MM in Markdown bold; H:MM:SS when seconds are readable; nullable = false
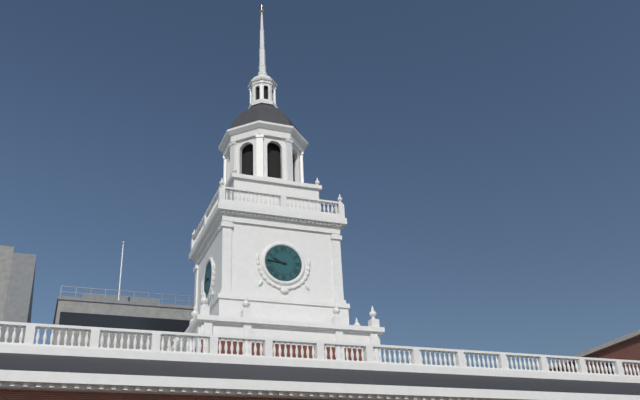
**9:46**
